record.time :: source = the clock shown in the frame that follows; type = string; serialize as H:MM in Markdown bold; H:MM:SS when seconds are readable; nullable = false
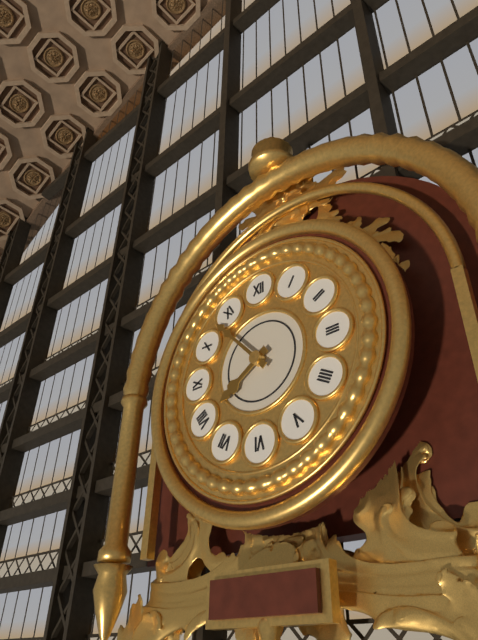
**7:53**
